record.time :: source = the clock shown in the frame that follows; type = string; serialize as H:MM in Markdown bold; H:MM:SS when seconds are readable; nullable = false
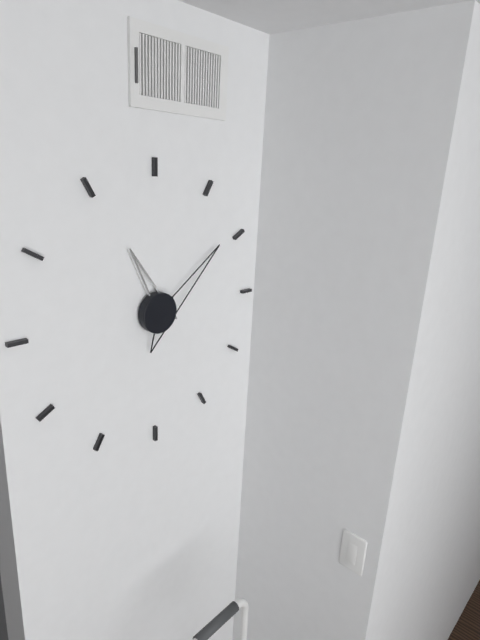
**11:09**
